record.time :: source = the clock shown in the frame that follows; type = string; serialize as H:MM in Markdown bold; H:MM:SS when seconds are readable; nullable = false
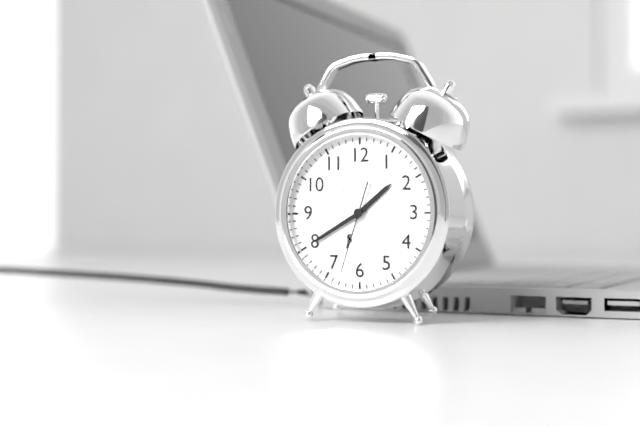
**1:40:33**
